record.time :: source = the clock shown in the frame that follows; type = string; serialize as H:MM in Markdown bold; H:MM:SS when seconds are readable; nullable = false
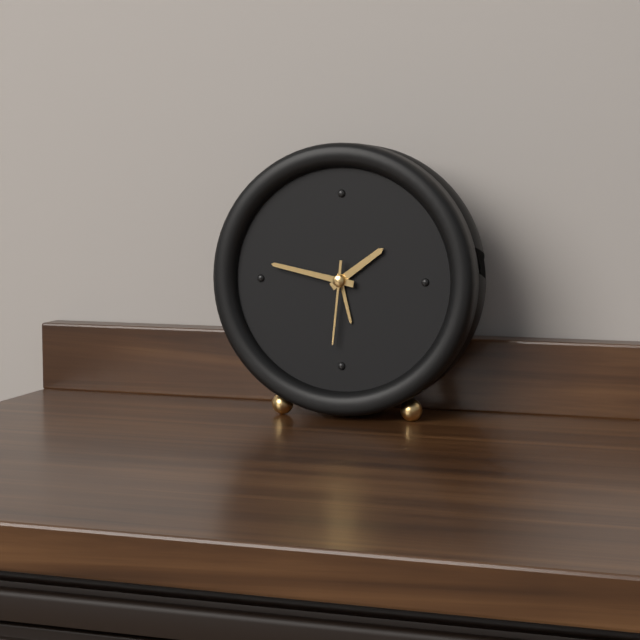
**1:47:31**
